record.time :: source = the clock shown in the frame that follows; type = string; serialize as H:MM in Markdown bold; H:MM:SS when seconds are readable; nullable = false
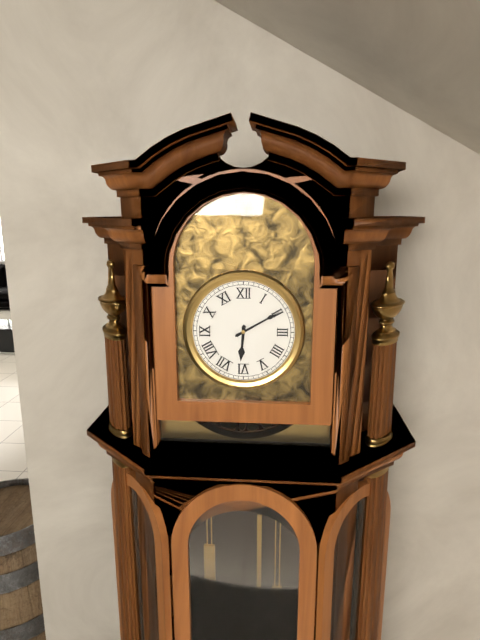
**6:10**
